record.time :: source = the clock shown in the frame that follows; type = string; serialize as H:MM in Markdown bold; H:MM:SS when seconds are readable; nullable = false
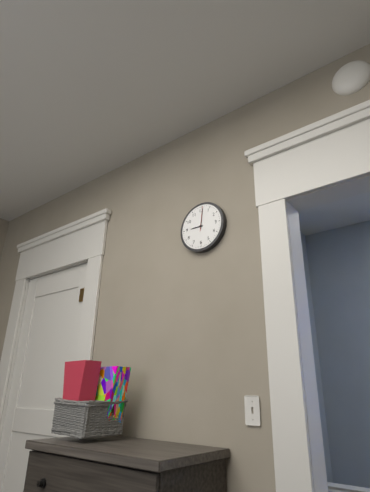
**9:01**
